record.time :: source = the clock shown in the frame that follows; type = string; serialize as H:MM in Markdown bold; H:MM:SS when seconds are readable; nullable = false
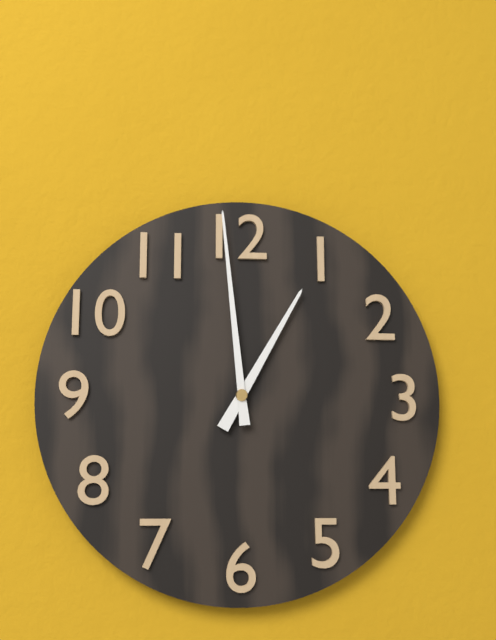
**12:59**
